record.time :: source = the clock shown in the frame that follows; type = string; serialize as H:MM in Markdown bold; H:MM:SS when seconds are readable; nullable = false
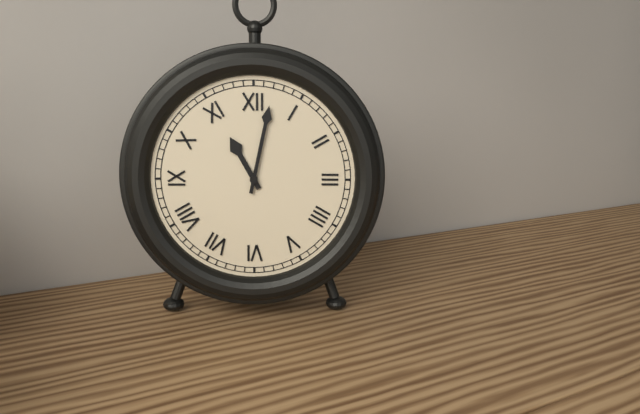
**11:02**
